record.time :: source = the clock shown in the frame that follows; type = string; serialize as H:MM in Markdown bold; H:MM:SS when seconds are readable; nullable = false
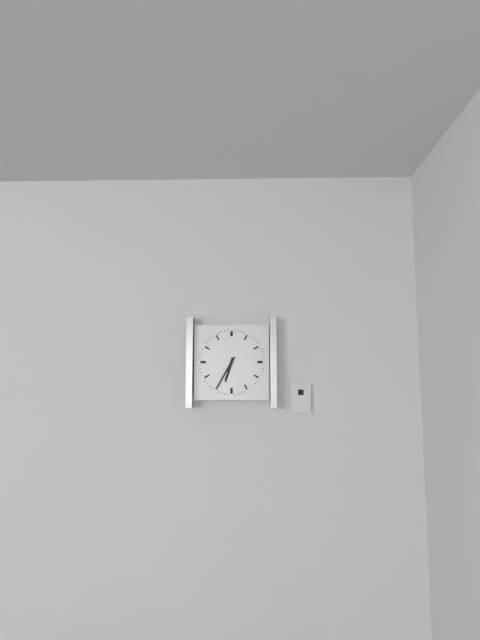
**6:35**
